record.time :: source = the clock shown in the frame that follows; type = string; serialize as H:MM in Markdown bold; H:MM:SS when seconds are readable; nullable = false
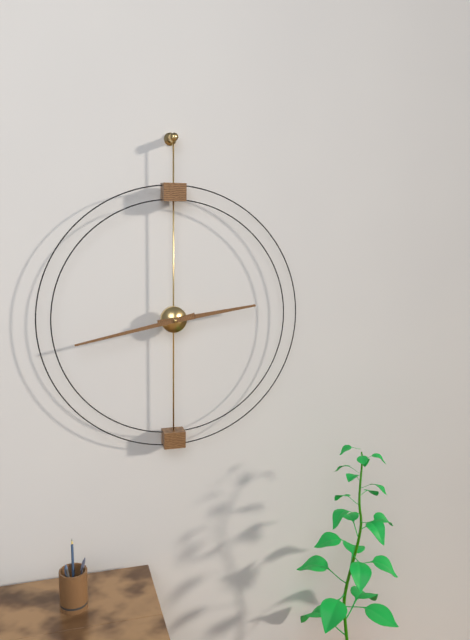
**2:43**
